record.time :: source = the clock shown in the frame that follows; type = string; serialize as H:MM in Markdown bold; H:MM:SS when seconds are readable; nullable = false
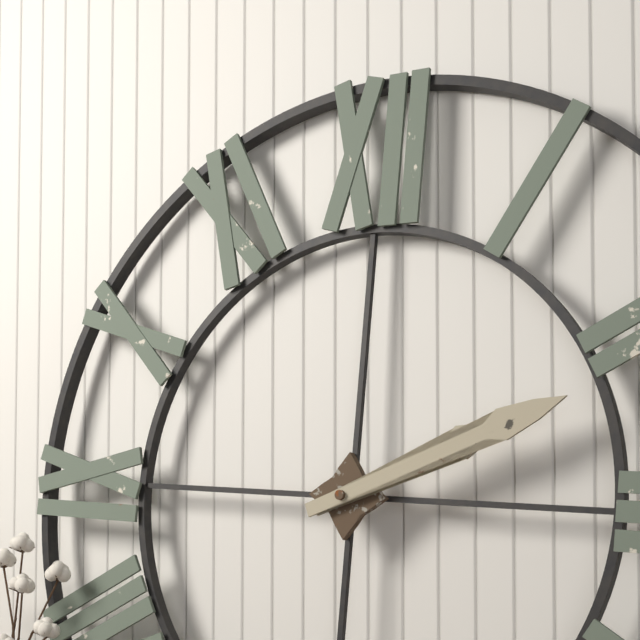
**2:11**
